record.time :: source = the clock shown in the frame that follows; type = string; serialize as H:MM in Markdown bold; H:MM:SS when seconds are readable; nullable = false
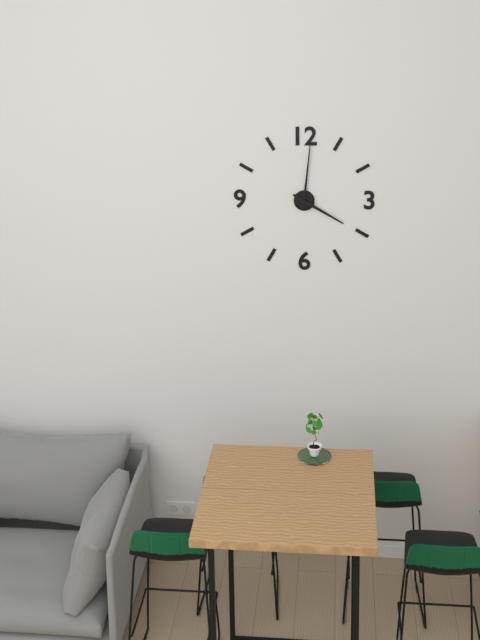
**4:01**
